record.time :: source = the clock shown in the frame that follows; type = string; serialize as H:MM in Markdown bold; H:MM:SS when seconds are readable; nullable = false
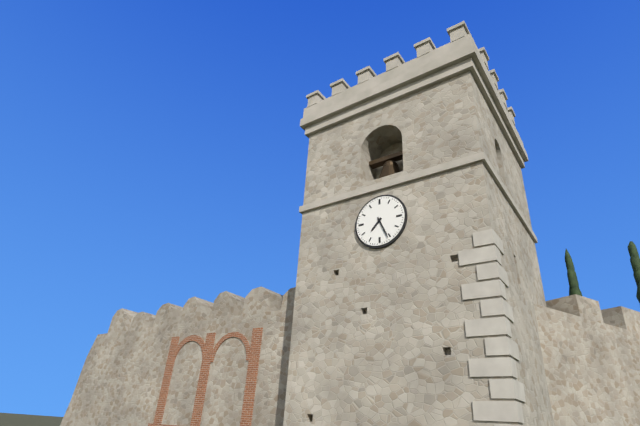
**7:26**
